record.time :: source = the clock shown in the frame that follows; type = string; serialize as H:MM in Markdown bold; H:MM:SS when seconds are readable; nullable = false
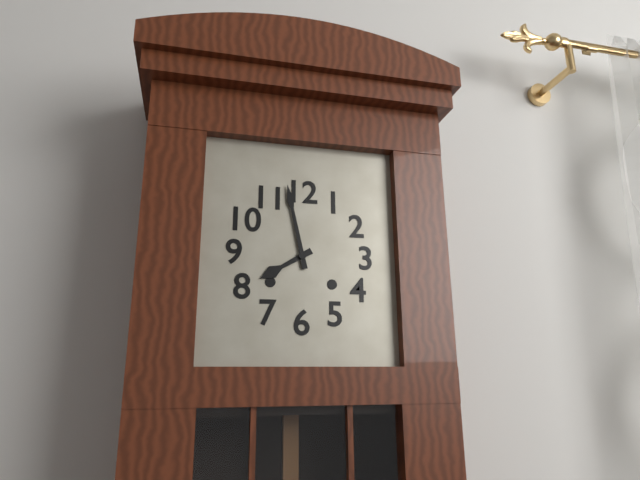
**7:58**
